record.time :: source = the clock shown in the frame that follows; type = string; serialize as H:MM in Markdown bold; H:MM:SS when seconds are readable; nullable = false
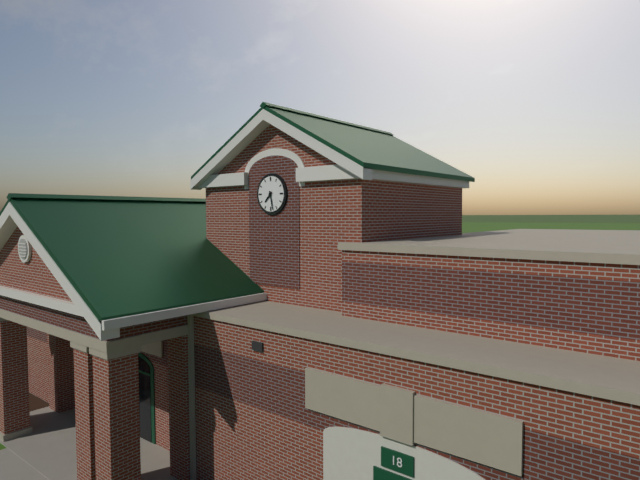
**7:28**
